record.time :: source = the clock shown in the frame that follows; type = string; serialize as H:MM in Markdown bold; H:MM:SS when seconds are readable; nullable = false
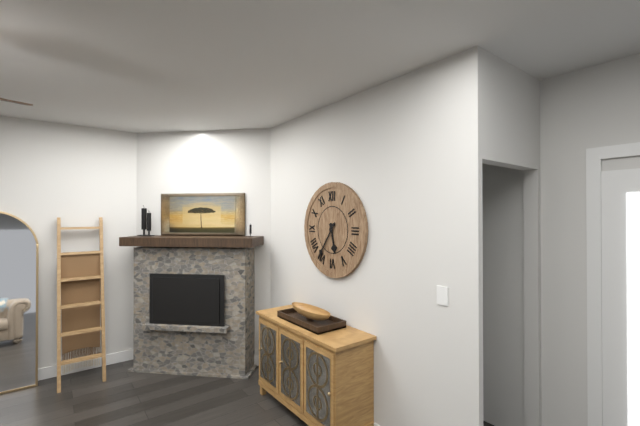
**5:36**
